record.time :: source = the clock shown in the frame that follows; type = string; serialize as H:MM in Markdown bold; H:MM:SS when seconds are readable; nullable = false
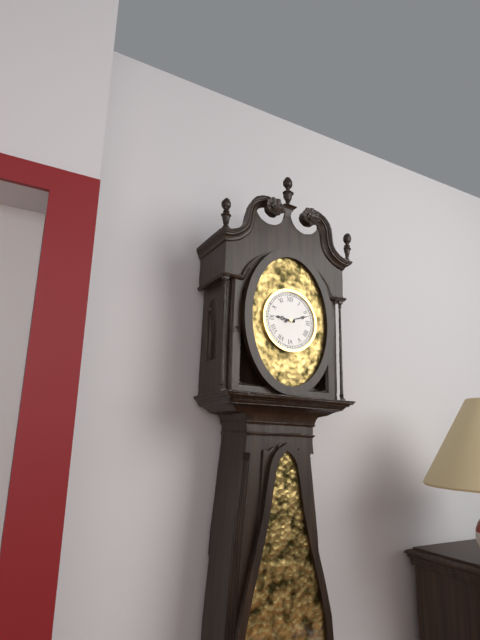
**9:12**
